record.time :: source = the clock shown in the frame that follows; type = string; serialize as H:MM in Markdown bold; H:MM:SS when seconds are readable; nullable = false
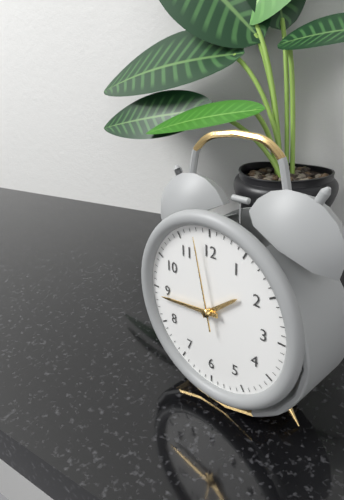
**1:44:58**
